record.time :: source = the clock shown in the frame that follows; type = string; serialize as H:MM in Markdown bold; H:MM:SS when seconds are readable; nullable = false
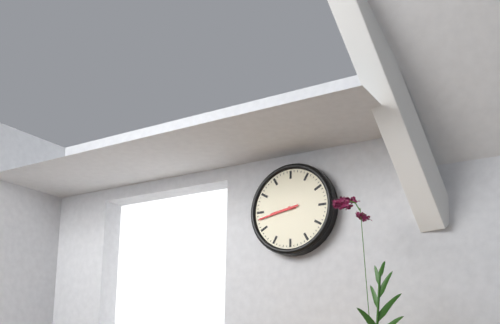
**8:43**
